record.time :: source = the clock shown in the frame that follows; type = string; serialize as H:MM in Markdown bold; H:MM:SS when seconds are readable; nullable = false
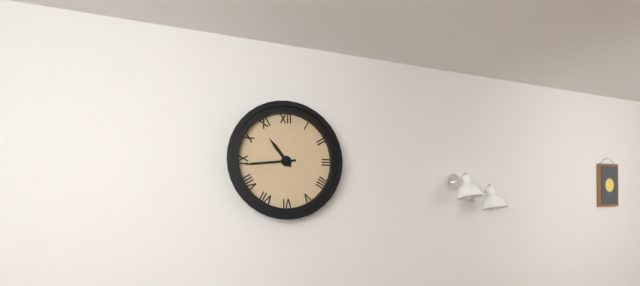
**10:44**
